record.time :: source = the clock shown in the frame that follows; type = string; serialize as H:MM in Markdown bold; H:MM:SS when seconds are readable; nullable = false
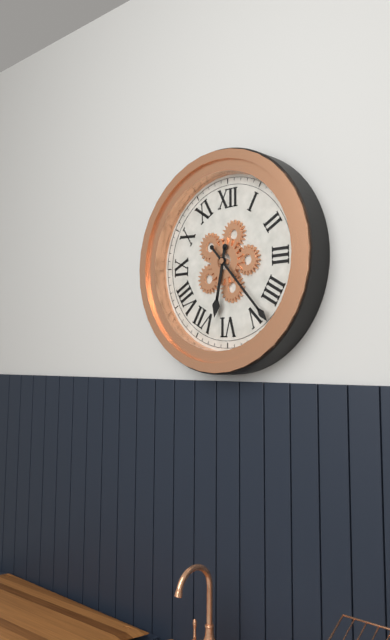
**6:23**
